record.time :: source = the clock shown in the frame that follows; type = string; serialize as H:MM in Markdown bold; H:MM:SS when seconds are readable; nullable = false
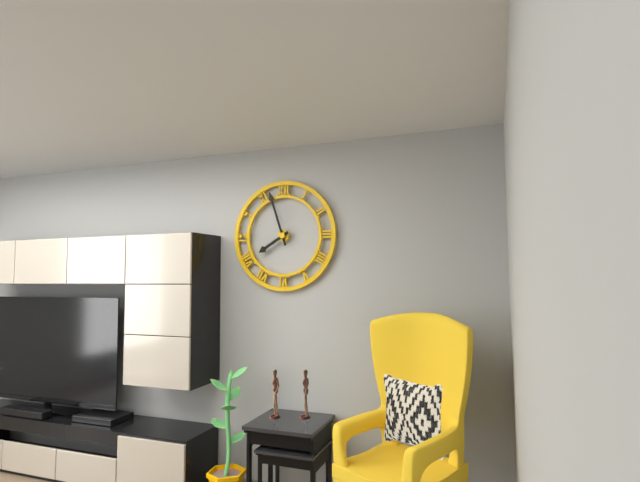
**7:57**
